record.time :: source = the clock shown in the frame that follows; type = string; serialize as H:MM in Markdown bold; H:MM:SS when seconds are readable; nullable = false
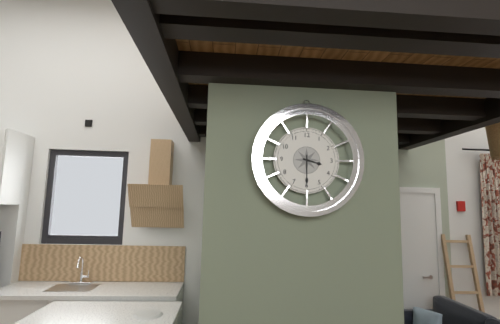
**3:30**
